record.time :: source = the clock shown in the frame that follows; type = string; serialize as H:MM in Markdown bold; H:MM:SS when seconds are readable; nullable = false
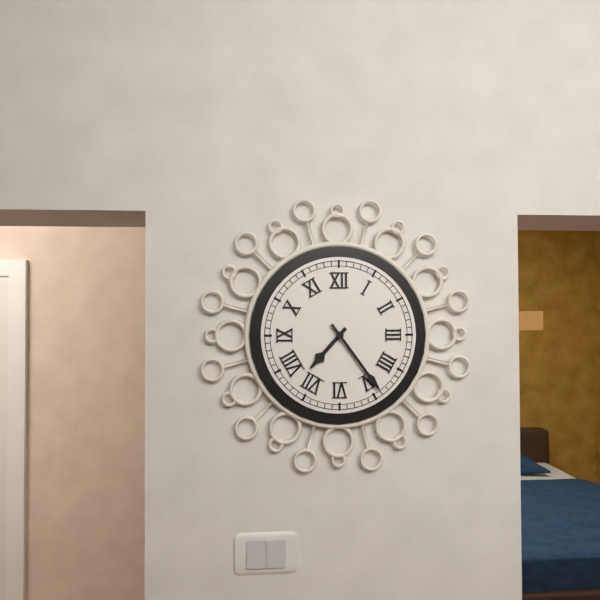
**7:24**
